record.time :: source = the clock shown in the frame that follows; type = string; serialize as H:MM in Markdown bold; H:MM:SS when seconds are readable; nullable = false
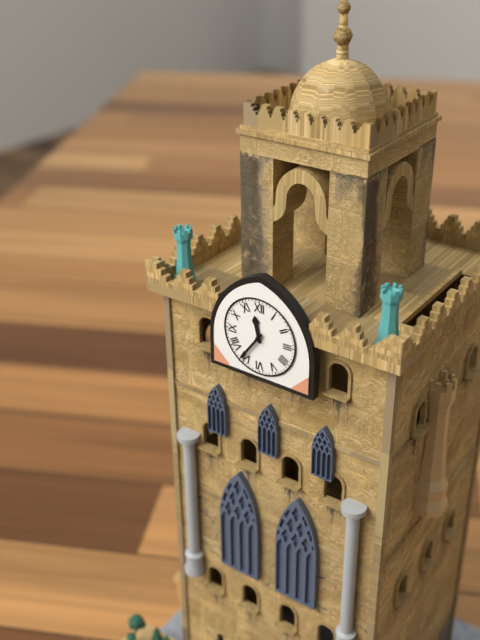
**11:36**
